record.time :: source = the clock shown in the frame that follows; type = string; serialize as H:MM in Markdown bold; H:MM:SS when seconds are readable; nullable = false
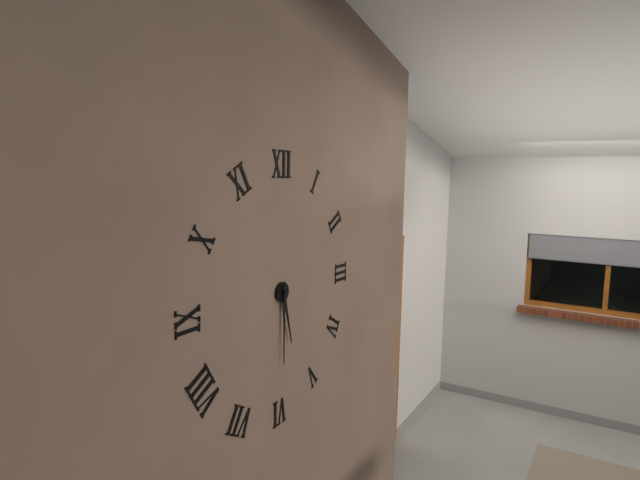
**5:30**
